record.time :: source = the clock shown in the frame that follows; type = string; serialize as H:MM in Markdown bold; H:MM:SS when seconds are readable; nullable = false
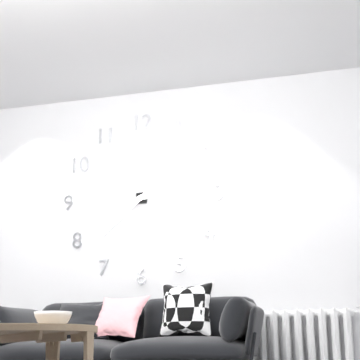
**8:38**
